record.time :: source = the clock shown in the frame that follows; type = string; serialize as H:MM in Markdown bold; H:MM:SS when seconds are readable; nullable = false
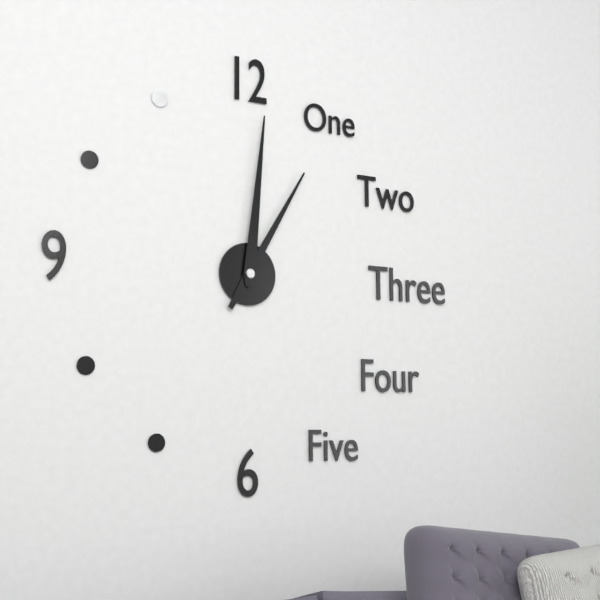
**1:01**
